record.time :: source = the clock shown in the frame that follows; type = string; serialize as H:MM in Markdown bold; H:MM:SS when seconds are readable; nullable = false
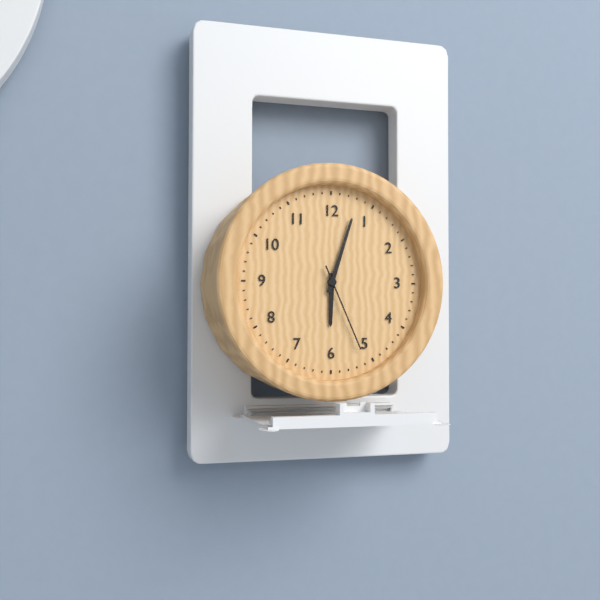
**6:03:26**
